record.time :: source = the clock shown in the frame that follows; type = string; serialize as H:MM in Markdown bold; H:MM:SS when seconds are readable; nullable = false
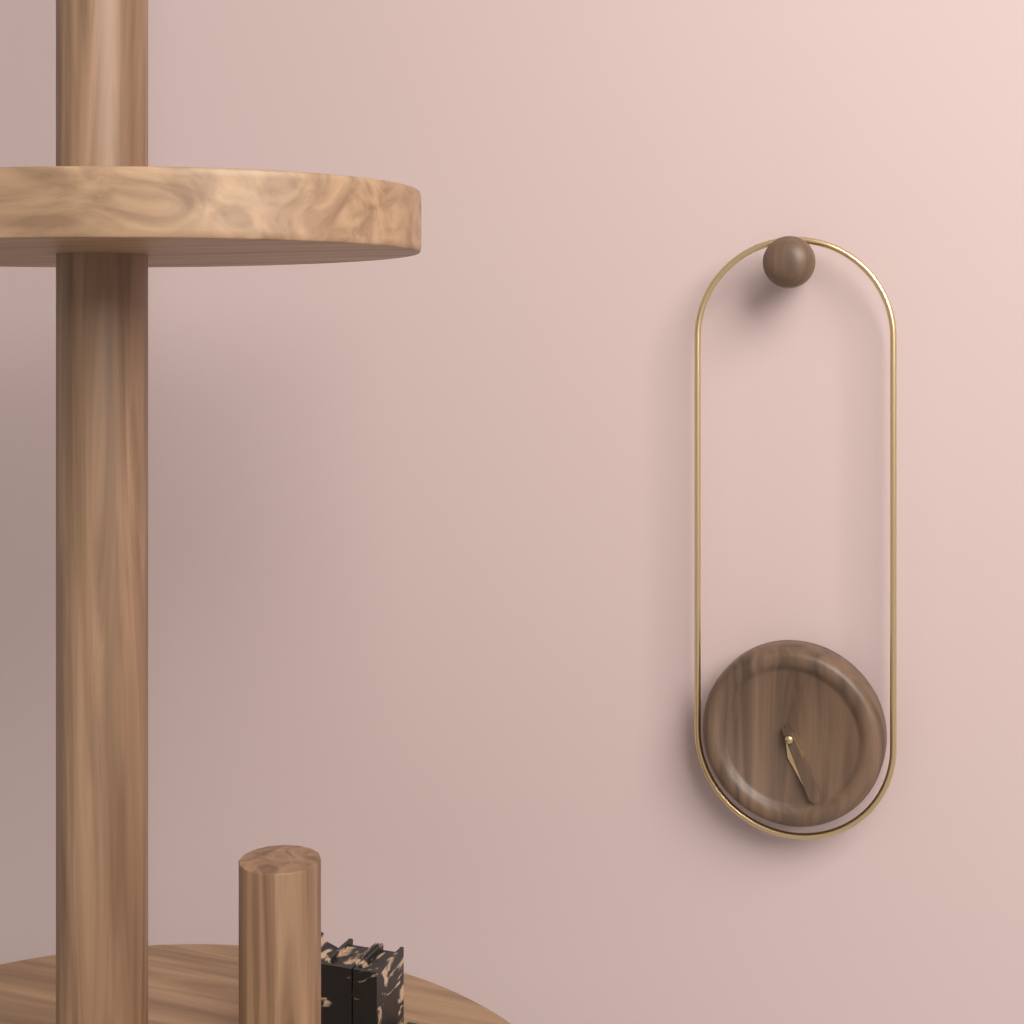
**5:26**
